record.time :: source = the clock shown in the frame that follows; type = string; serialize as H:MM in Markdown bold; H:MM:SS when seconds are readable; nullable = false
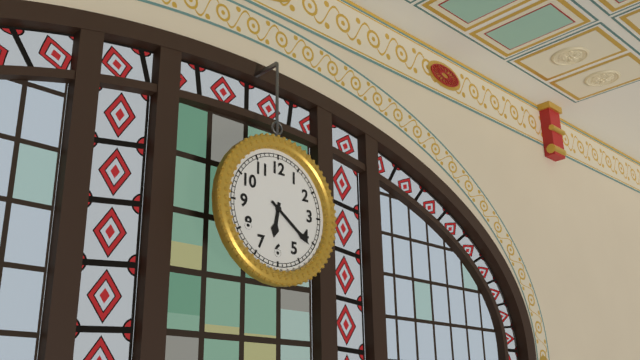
**6:21**
